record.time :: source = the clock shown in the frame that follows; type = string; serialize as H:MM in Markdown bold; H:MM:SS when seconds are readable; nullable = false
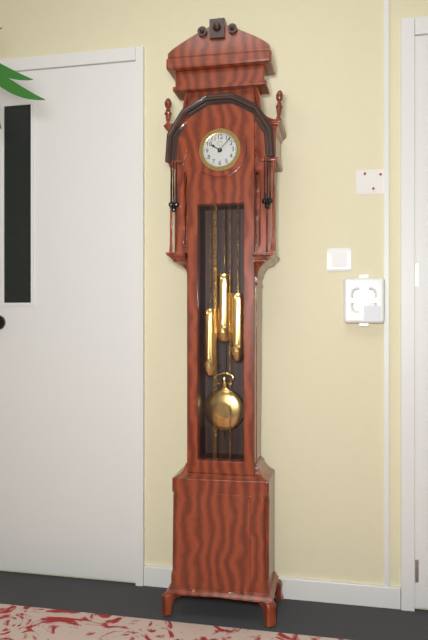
**10:07**
